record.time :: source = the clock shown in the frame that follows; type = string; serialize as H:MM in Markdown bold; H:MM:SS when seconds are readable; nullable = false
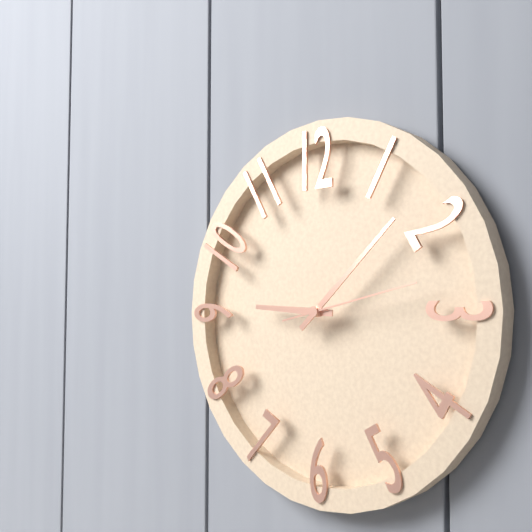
**9:08:13**
